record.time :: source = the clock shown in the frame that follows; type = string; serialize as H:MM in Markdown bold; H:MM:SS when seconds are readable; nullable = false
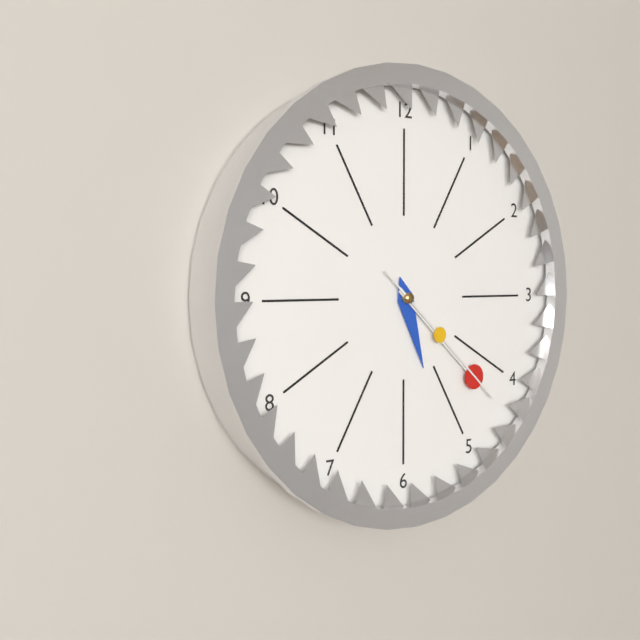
**5:22:22**
